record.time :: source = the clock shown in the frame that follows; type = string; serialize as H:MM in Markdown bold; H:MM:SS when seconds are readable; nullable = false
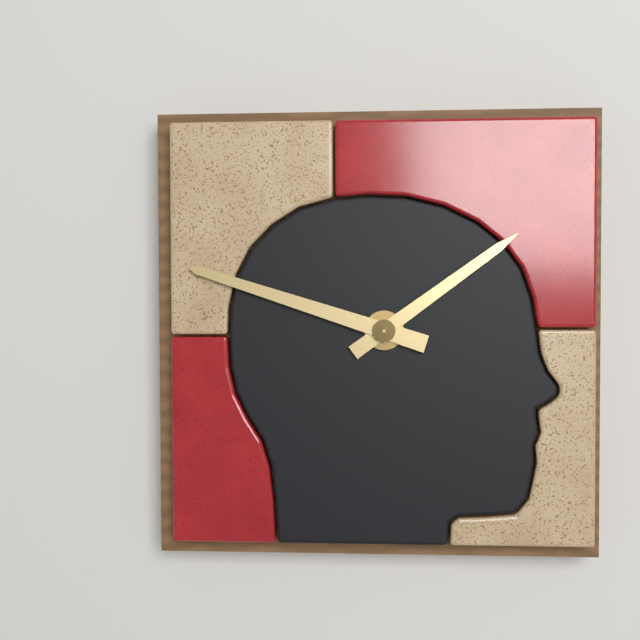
**1:48**
